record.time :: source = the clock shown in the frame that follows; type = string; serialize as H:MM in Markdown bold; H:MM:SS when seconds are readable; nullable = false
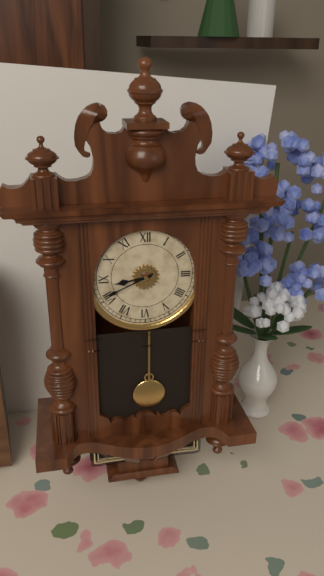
**8:41**
